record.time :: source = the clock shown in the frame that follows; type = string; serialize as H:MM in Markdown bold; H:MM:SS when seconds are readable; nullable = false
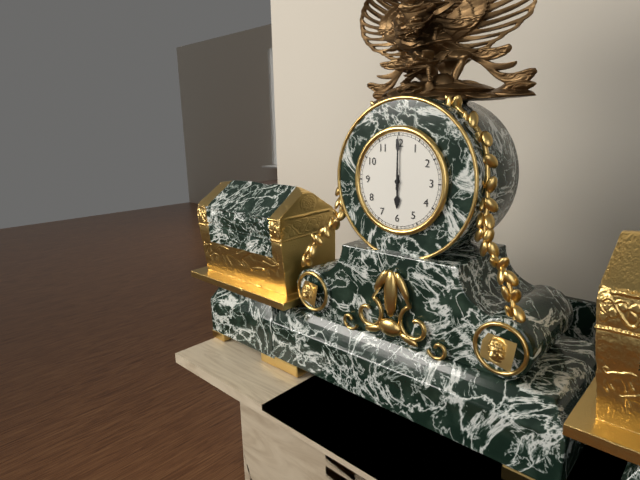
**6:00**
